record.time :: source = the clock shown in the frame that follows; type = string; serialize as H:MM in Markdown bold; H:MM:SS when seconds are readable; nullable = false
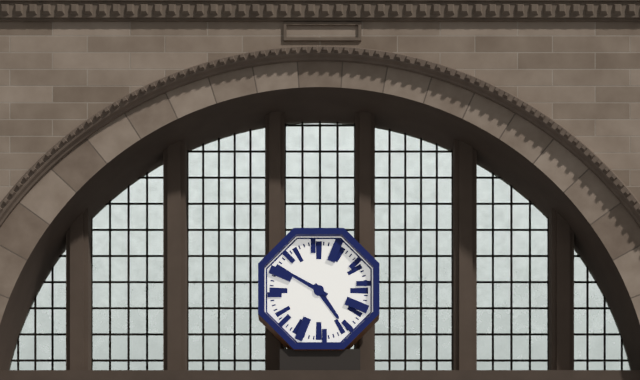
**4:50**
